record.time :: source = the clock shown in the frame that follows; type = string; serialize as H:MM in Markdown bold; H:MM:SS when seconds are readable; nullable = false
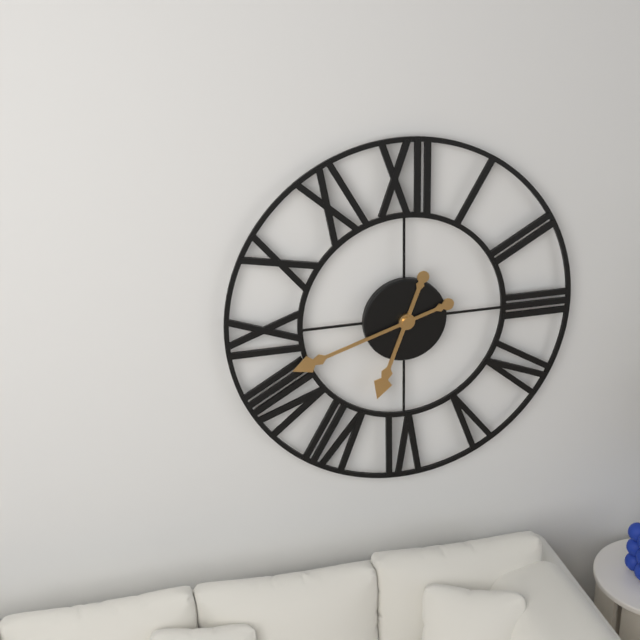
**6:42**
